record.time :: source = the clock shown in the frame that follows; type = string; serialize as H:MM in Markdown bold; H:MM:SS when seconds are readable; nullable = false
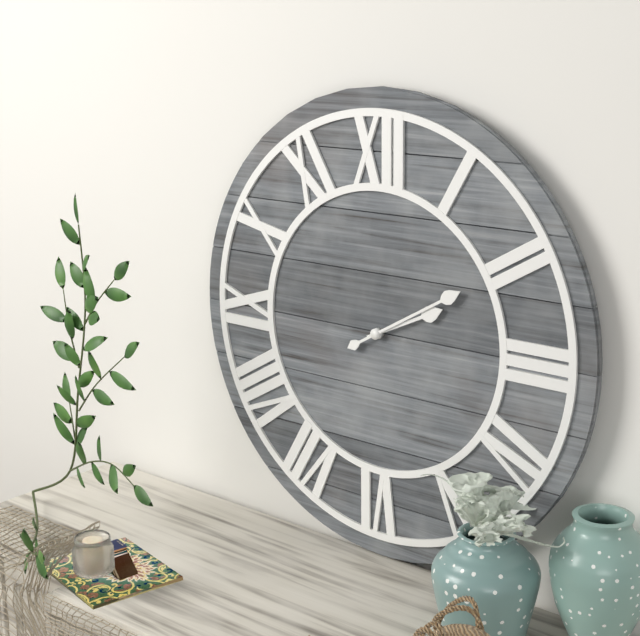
**2:10**
